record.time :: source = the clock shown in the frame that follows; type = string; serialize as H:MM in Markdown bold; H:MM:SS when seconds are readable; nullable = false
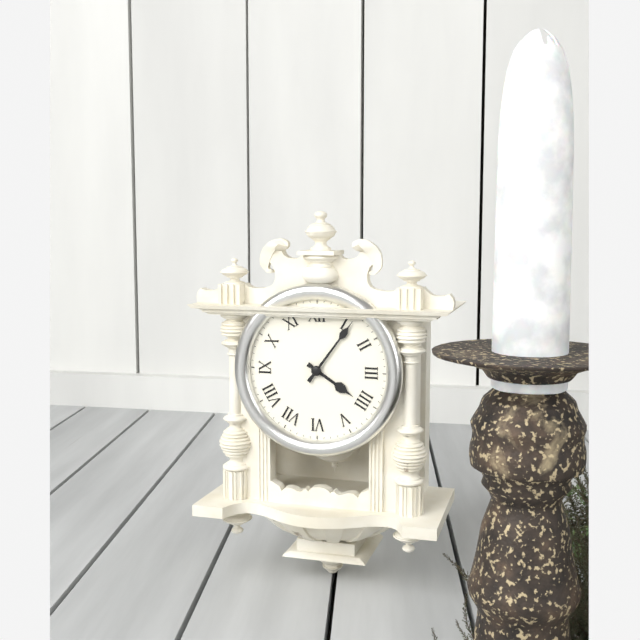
**4:06**
